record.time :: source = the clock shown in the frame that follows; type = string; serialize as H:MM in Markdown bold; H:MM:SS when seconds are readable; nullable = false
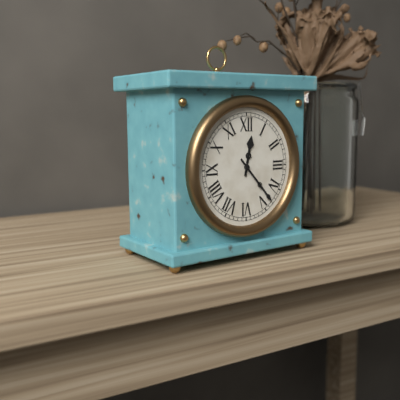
**12:23**
